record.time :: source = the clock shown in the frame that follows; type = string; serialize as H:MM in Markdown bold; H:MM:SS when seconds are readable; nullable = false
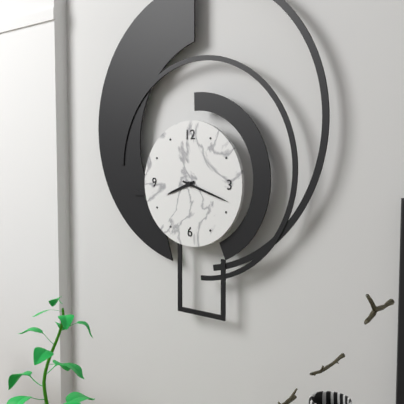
**8:18**
